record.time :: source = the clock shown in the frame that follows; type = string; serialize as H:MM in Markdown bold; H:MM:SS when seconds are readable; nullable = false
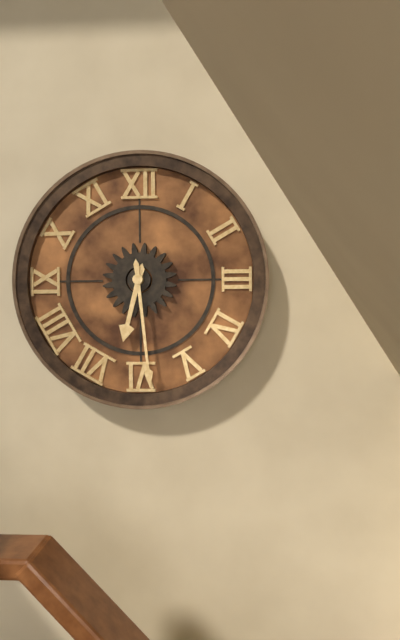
**6:29**
